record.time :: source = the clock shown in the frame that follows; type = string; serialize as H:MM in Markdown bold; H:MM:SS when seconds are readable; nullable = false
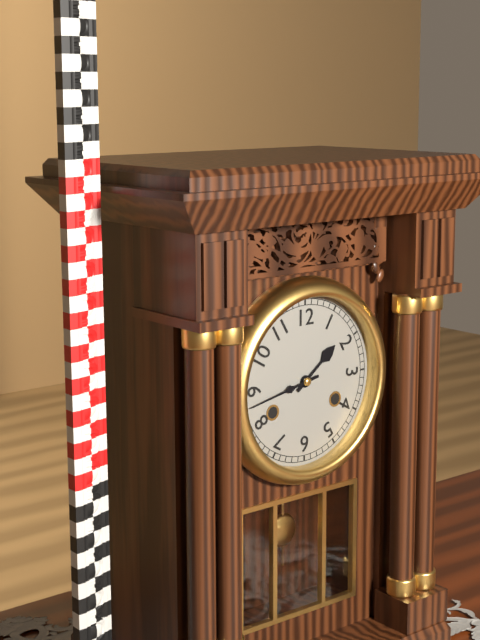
**1:43**
